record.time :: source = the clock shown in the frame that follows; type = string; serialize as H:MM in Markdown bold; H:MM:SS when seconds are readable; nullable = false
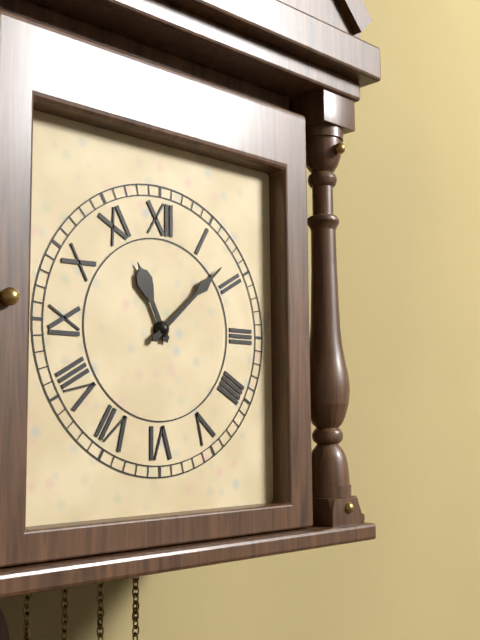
**11:08**
